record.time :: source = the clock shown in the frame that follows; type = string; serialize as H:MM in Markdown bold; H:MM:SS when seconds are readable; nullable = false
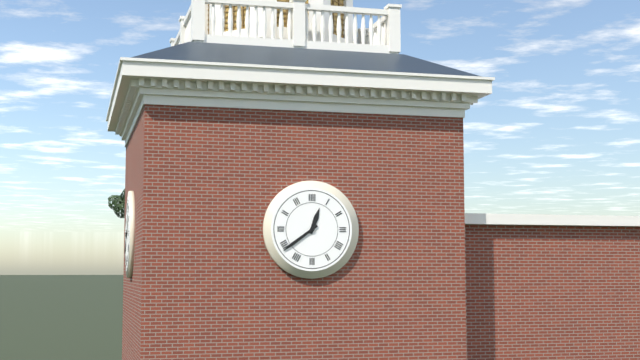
**12:39**
